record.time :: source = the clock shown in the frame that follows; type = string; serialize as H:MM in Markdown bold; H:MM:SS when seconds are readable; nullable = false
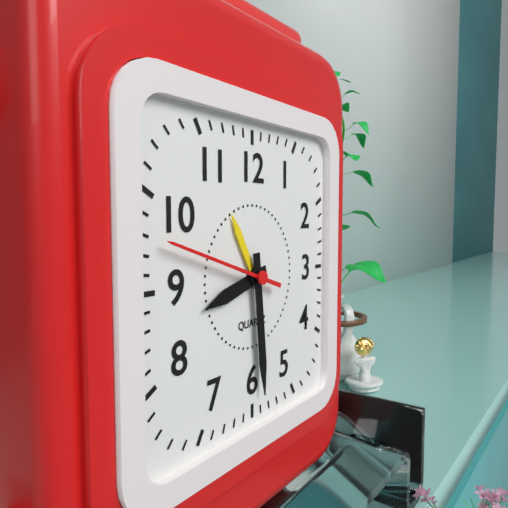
**8:29:48**
